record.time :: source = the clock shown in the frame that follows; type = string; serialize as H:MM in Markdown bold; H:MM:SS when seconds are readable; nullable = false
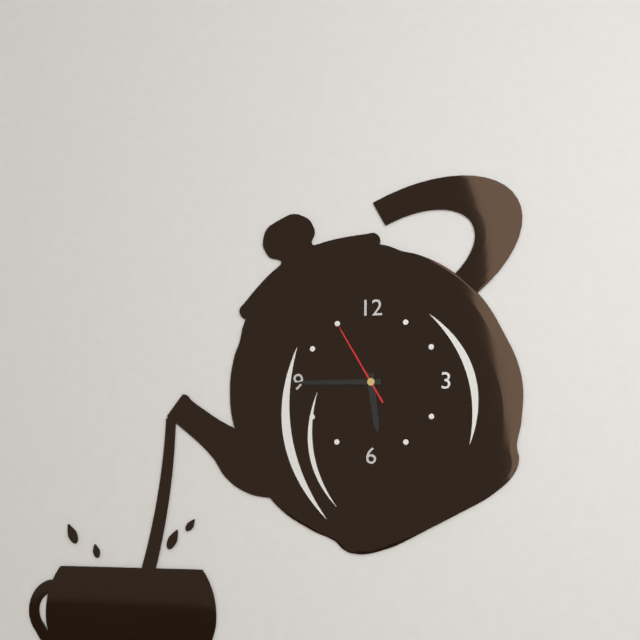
**5:45:55**
